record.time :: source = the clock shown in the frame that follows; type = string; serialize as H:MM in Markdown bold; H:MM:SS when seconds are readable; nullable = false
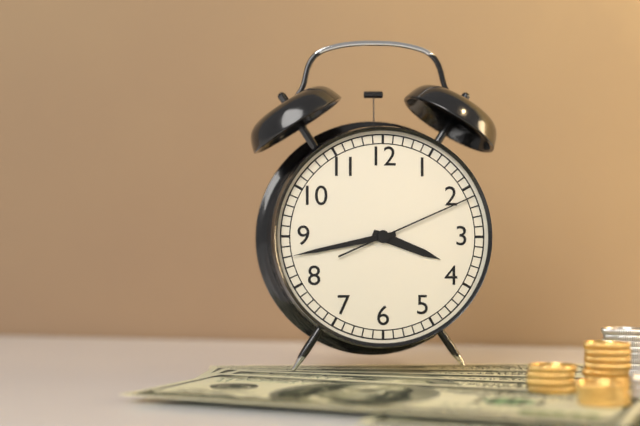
**3:43:11**
